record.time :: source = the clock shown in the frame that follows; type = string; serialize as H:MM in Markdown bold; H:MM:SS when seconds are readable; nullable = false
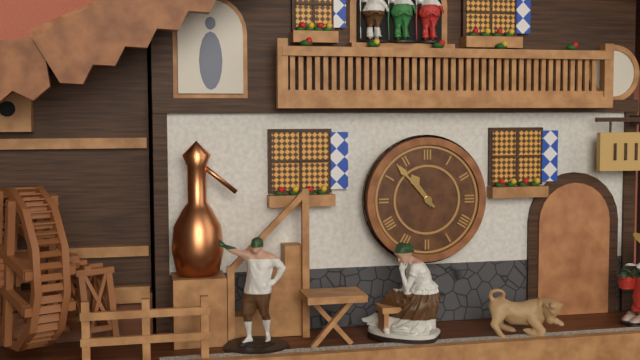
**10:53**
